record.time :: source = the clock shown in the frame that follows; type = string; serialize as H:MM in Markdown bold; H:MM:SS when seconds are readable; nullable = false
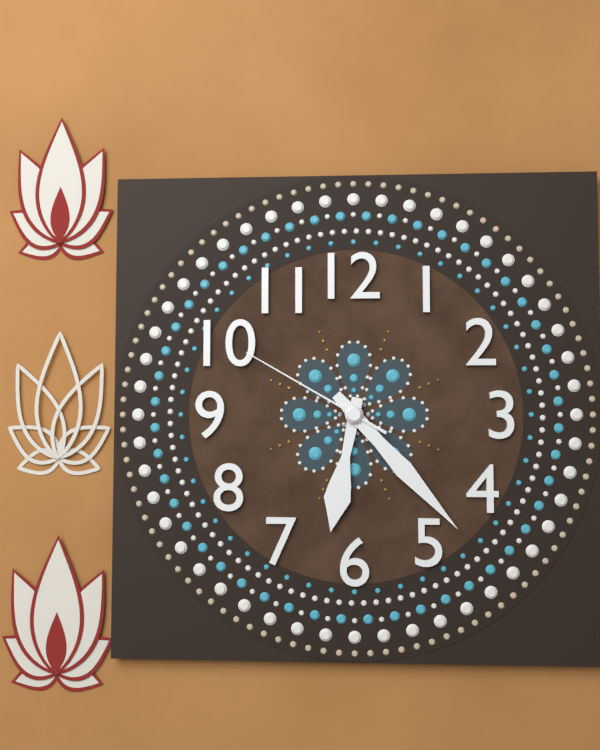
**6:23:50**
